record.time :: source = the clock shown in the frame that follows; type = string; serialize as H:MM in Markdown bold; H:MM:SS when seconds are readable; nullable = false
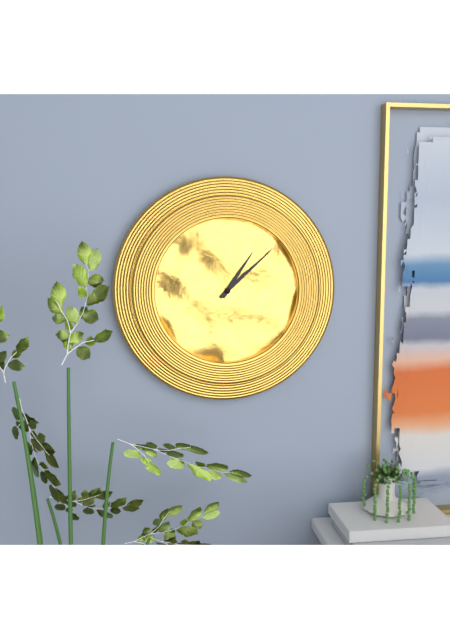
**1:08**
